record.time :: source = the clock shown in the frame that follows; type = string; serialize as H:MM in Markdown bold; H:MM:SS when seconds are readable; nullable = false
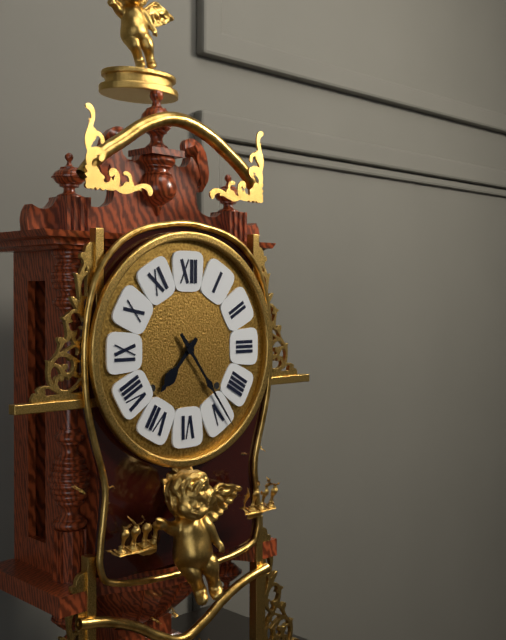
**7:24**
